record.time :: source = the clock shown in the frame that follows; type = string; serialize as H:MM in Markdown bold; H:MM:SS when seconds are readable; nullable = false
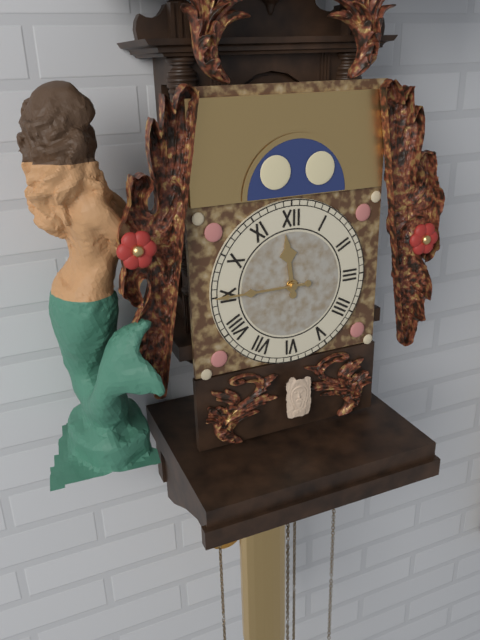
**11:45**
